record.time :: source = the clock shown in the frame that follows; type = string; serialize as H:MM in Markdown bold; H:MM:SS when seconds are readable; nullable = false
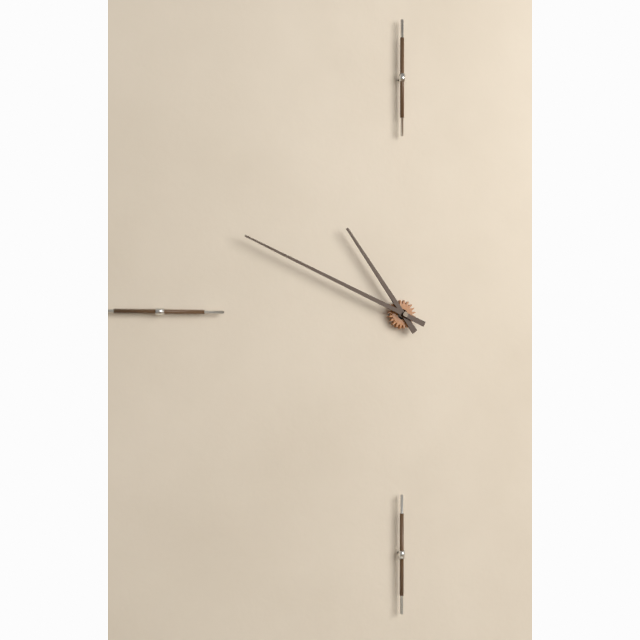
**10:49**
